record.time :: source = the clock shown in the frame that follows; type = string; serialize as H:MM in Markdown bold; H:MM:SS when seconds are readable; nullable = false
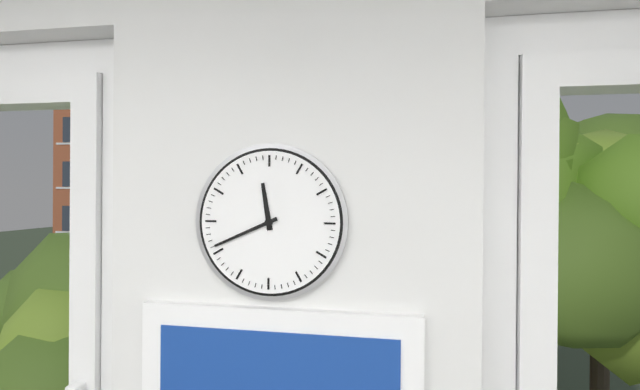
**11:41**
